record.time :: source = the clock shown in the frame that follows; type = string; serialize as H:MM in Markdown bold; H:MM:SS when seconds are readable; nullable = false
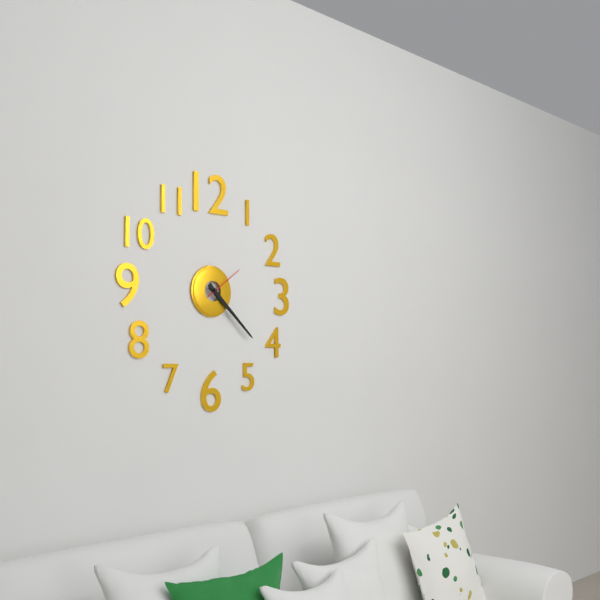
**4:22**
